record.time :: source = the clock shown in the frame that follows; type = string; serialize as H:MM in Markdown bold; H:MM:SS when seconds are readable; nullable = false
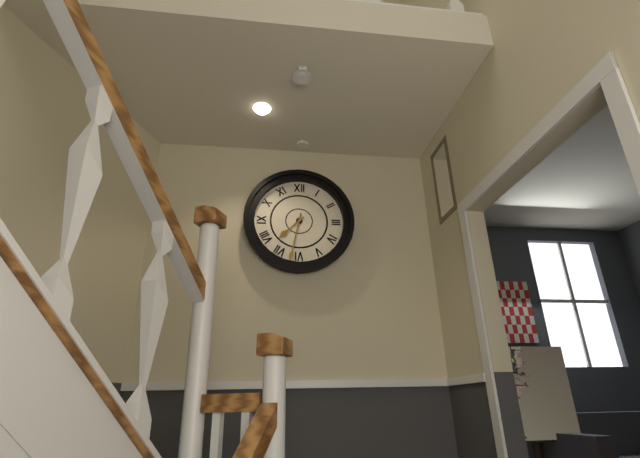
**7:32**
